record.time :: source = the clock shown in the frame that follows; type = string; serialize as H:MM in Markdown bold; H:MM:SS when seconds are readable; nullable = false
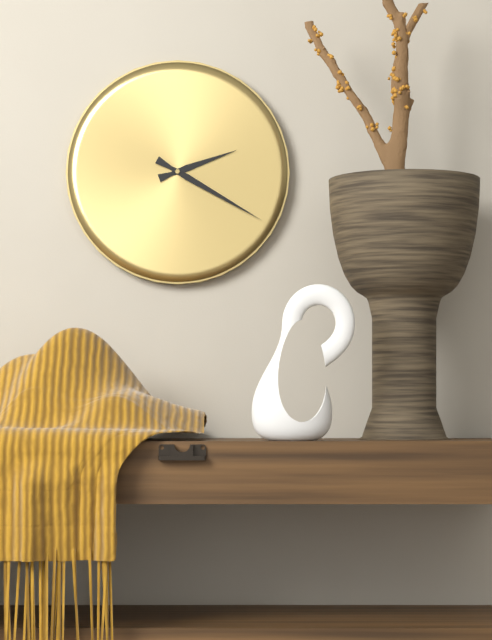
**2:20**
